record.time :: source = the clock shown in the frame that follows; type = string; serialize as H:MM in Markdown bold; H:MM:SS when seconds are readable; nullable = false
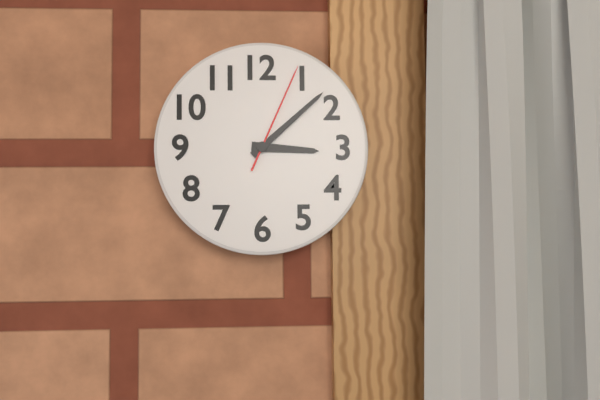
**3:08:04**
